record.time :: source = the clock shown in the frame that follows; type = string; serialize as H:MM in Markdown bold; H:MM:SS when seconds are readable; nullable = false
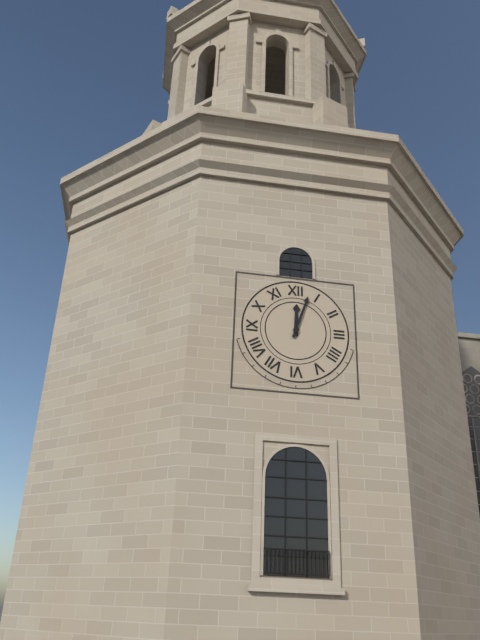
**12:03**
